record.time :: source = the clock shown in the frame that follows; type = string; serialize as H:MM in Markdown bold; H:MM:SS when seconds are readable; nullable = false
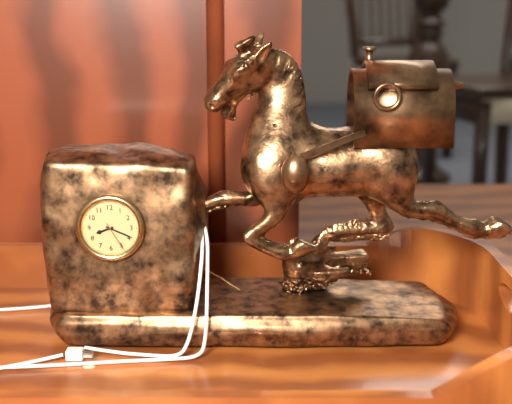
**8:19**
